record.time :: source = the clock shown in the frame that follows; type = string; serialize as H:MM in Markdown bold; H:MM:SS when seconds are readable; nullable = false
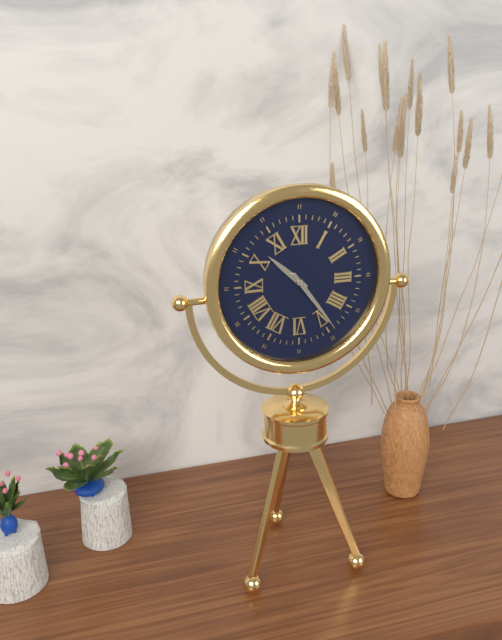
**10:24**
